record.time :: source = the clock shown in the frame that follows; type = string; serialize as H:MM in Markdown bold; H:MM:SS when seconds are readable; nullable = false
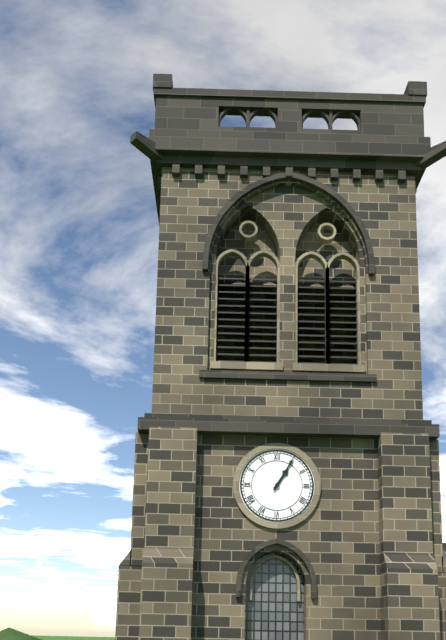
**1:05**
